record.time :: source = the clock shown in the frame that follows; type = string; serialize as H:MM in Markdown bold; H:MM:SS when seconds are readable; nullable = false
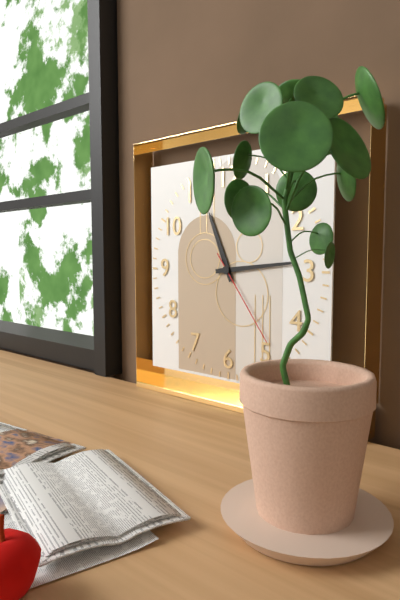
**11:14:24**
